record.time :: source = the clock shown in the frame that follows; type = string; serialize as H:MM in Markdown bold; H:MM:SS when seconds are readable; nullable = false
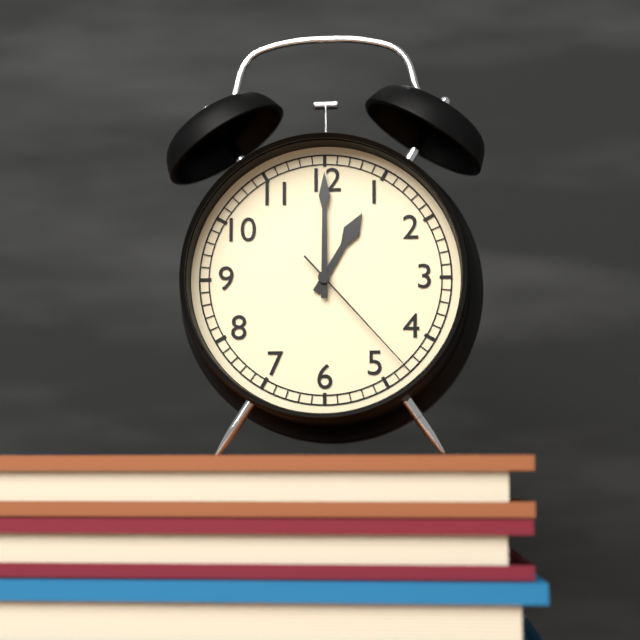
**1:00:23**
